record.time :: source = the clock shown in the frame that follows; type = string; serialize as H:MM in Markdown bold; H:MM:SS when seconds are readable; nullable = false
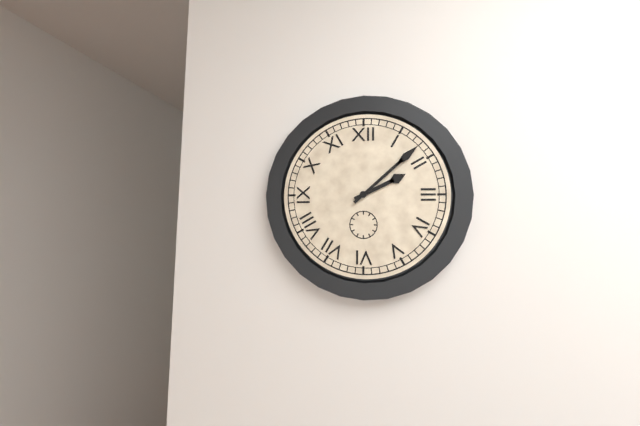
**2:08**
